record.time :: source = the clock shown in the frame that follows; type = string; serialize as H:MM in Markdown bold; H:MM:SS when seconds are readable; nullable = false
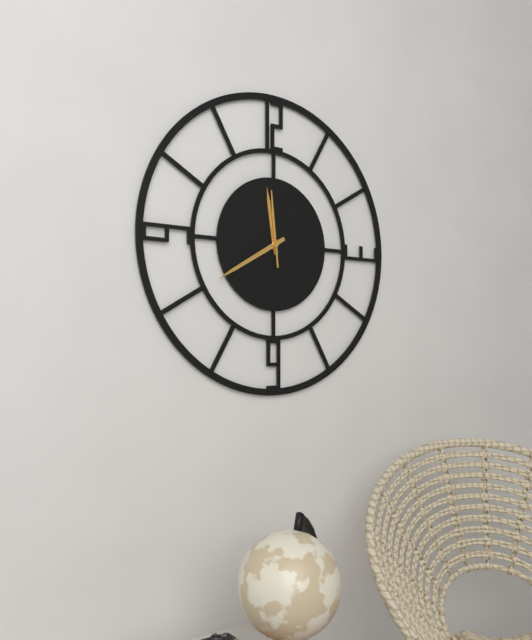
**11:40:59**
